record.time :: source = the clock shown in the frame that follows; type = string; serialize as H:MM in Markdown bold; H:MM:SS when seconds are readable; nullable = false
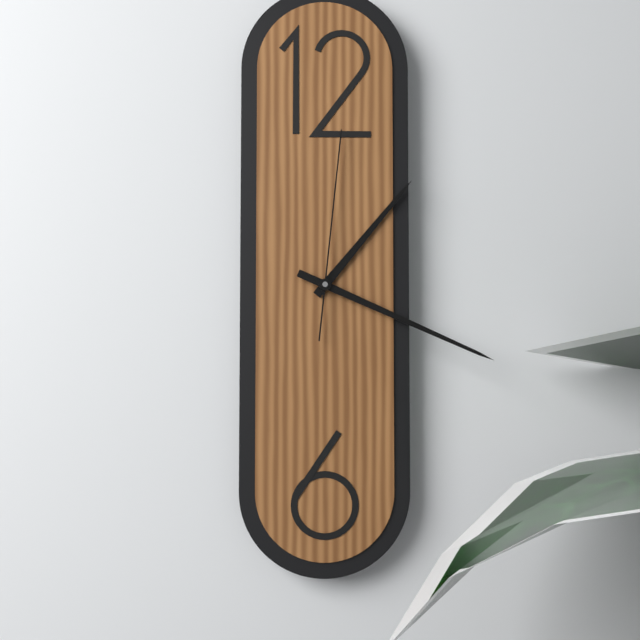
**1:19:01**
